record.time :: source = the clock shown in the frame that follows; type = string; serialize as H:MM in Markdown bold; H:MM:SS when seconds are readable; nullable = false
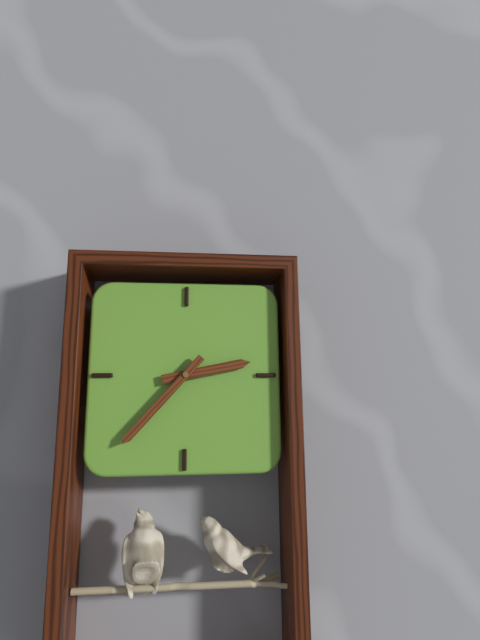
**2:37**
